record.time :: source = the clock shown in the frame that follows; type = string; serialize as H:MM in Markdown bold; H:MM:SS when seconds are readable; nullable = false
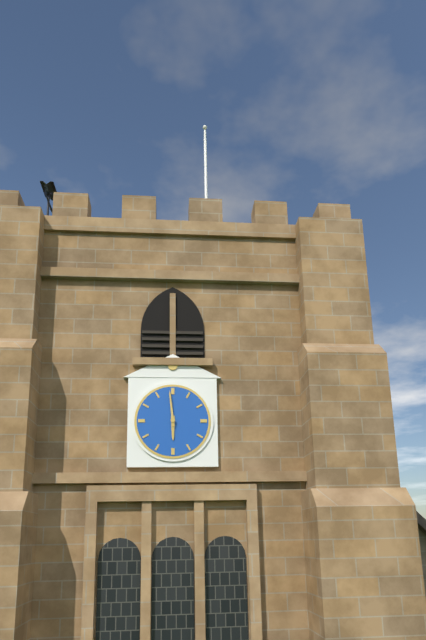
**5:59**
